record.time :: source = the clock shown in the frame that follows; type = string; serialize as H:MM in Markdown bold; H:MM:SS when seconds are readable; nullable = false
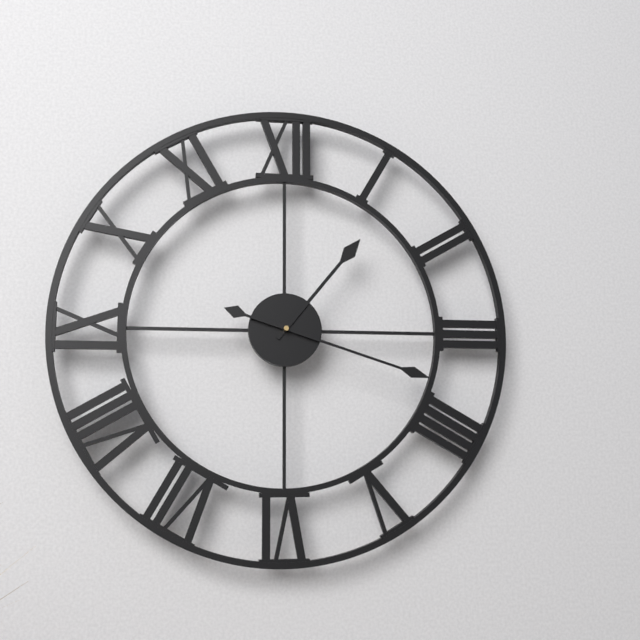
**1:18**
